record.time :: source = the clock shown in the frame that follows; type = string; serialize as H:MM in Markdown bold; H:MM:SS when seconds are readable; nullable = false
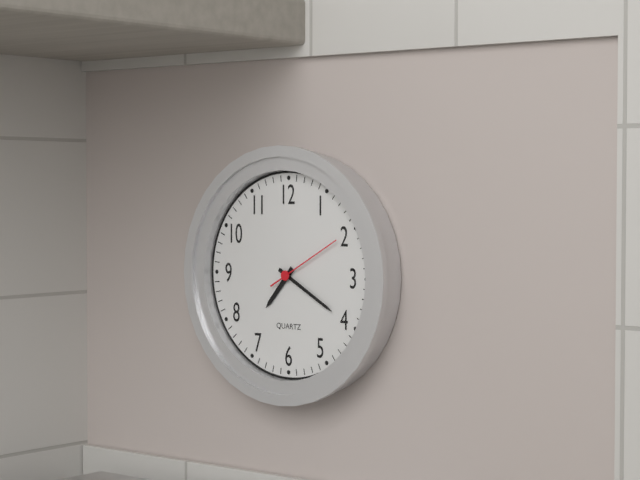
**7:20:10**
